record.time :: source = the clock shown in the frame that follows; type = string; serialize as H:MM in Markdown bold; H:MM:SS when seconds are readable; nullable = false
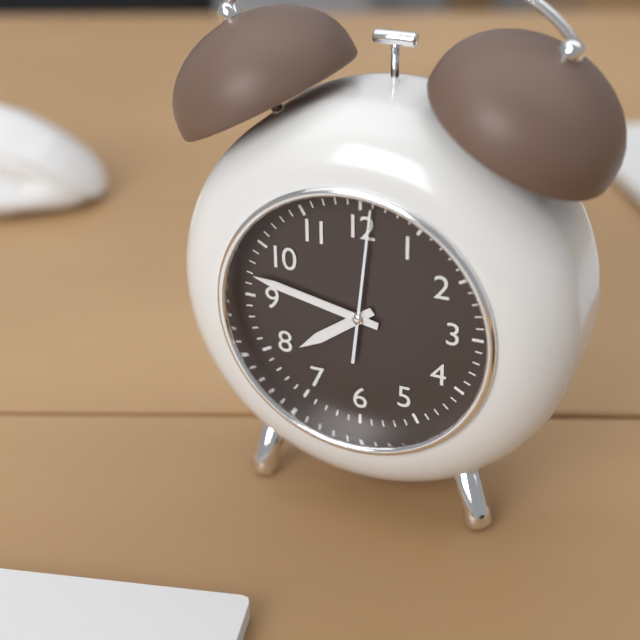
**7:47:01**
